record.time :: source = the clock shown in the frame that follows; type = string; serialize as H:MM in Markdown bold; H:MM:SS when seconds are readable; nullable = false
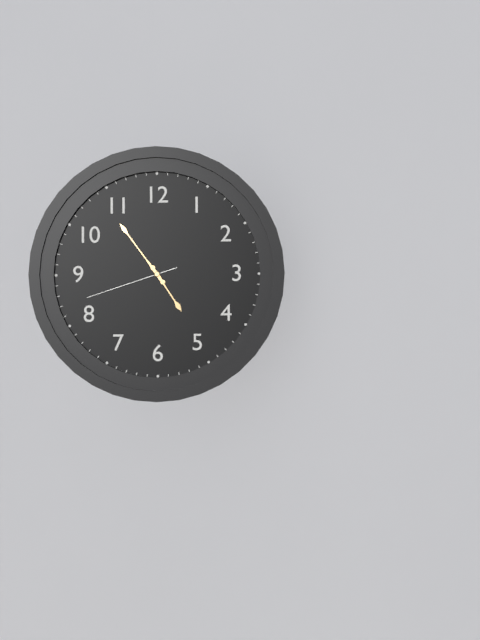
**4:54:42**
